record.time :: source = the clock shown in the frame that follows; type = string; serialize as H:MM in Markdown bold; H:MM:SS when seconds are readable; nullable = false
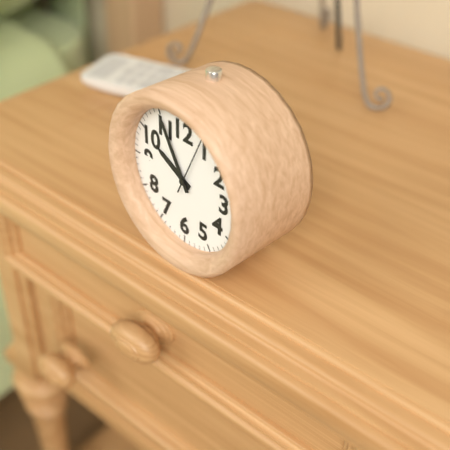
**9:55:04**
